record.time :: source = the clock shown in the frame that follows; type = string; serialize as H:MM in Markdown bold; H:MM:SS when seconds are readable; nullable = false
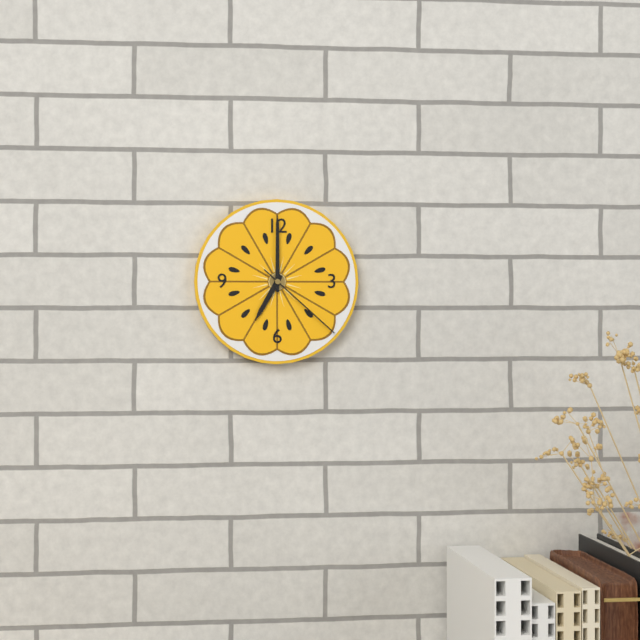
**7:00:22**
